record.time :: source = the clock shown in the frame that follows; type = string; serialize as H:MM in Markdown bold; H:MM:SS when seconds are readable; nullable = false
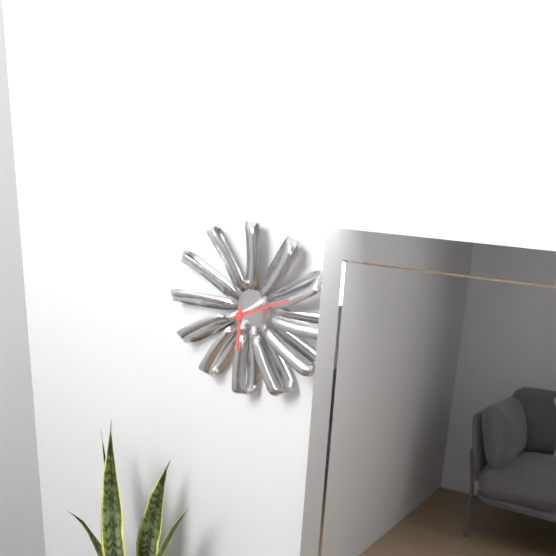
**6:11**
